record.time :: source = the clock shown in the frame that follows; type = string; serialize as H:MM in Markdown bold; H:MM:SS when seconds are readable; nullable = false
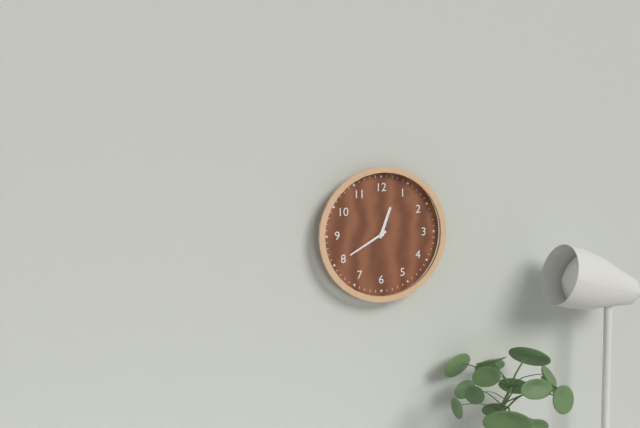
**12:40**
